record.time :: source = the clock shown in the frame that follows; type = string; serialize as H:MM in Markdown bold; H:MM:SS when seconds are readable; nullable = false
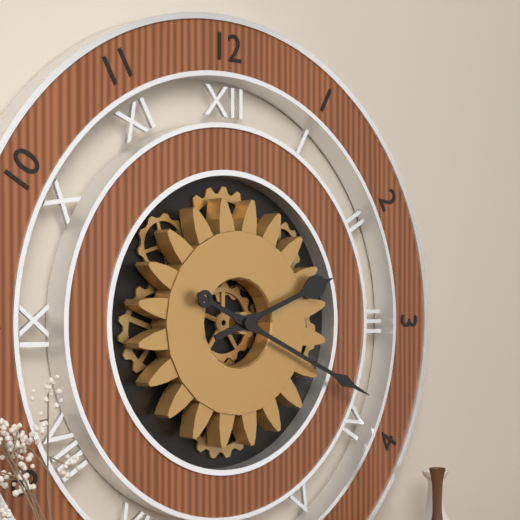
**2:19**
